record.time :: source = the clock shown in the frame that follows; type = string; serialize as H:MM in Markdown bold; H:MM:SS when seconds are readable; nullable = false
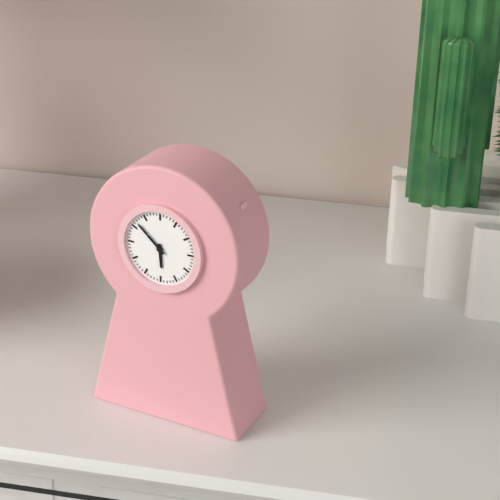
**5:52**
